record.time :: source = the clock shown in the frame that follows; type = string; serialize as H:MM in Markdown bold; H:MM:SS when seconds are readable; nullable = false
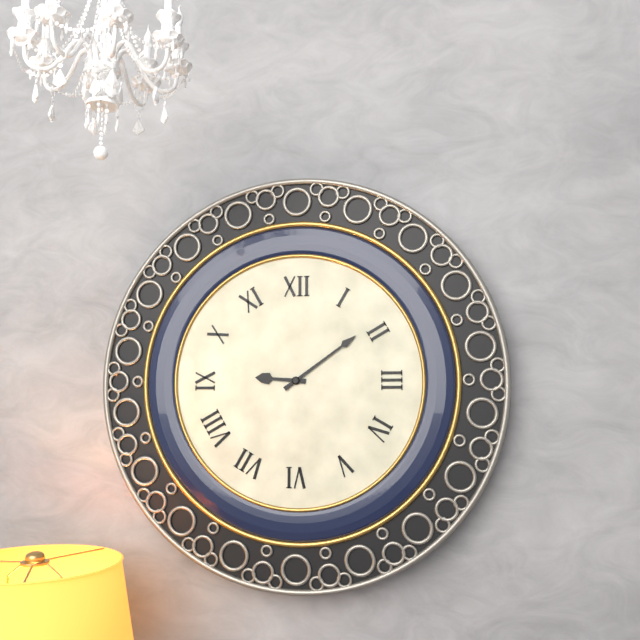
**9:09**
